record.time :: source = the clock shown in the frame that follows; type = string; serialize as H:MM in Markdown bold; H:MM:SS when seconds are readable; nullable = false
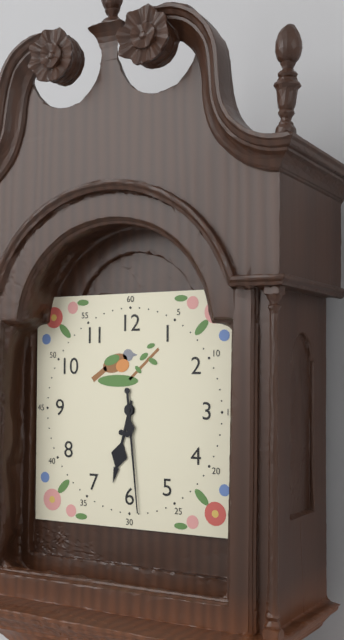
**6:29**
